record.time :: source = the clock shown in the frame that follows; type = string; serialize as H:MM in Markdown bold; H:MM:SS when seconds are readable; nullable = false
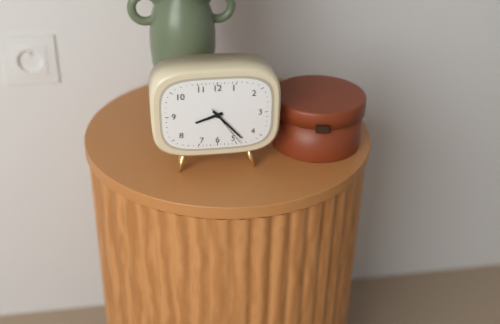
**8:23**
